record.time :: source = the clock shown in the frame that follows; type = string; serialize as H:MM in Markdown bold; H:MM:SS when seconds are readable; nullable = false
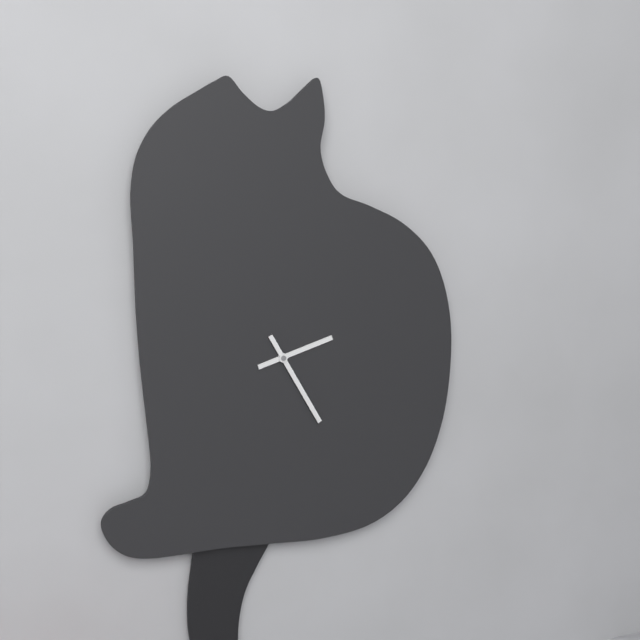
**2:25**
